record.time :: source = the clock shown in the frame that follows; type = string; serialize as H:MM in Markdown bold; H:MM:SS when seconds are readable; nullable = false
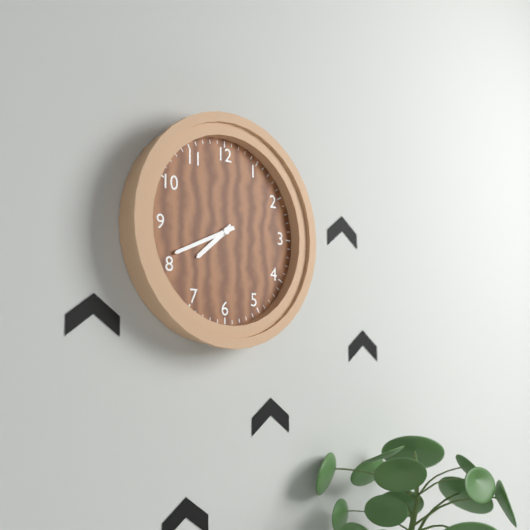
**7:41**
